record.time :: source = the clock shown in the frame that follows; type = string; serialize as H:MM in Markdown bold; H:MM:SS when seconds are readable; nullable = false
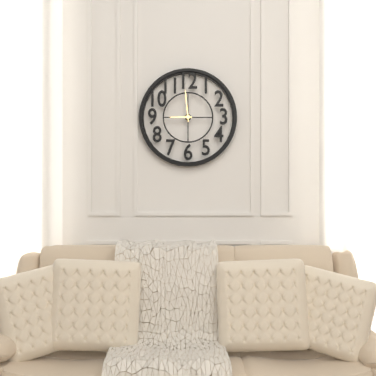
**8:59**
